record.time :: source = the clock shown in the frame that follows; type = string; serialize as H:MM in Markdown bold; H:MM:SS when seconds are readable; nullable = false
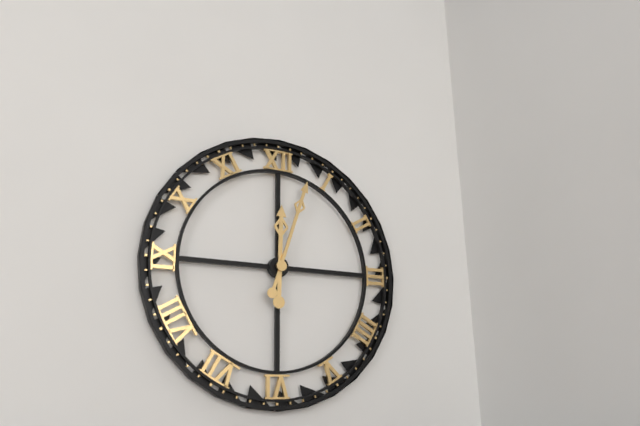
**12:03**
